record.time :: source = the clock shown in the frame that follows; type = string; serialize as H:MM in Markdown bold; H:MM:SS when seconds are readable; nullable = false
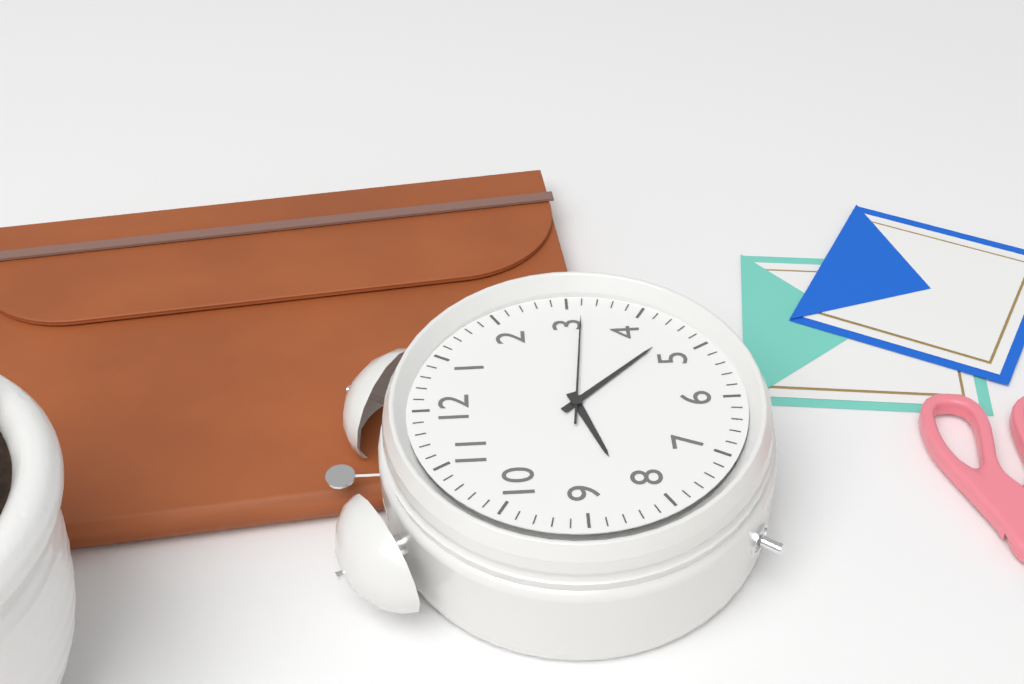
**8:23:16**
